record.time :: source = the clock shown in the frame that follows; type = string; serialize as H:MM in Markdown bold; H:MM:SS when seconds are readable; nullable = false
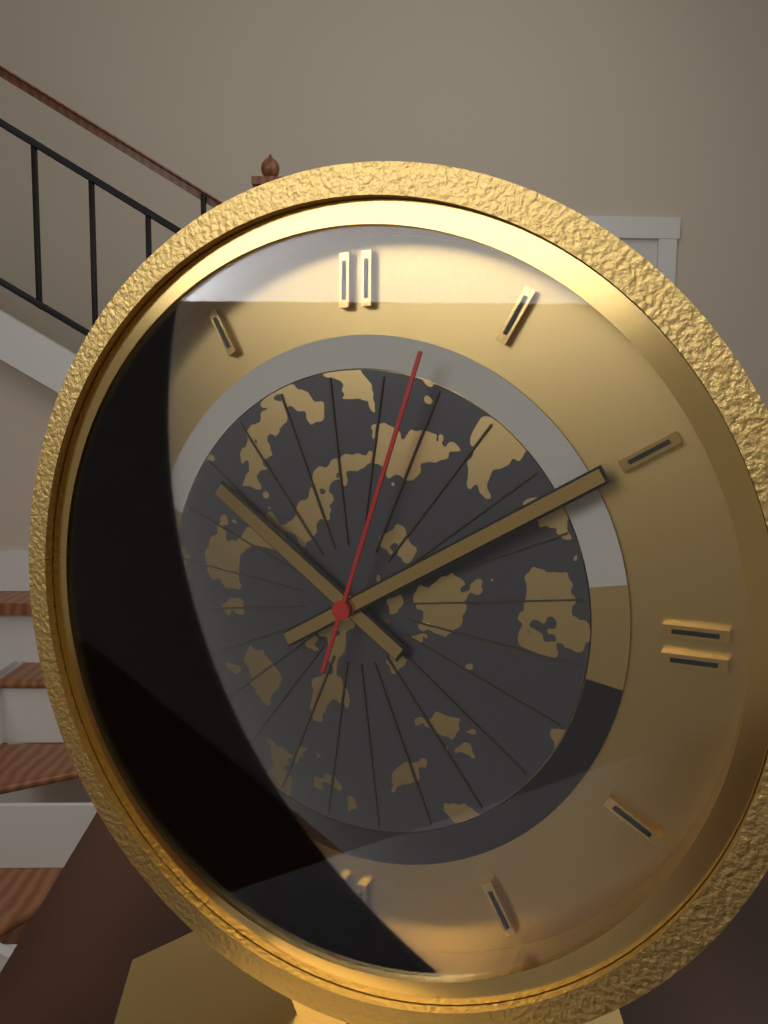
**10:10:03**
